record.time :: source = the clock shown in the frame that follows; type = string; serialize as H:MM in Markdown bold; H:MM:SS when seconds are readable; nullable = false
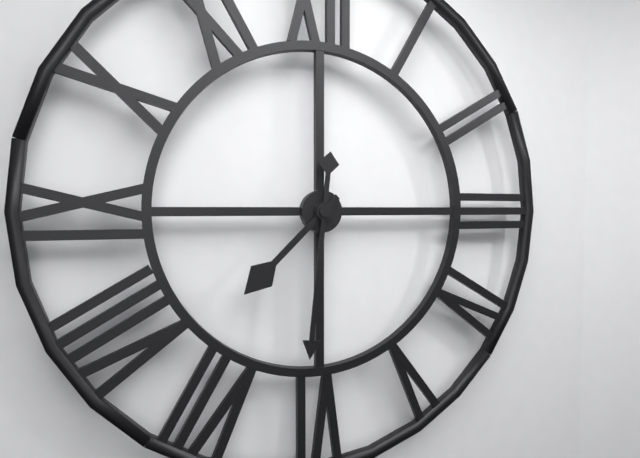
**7:31**
